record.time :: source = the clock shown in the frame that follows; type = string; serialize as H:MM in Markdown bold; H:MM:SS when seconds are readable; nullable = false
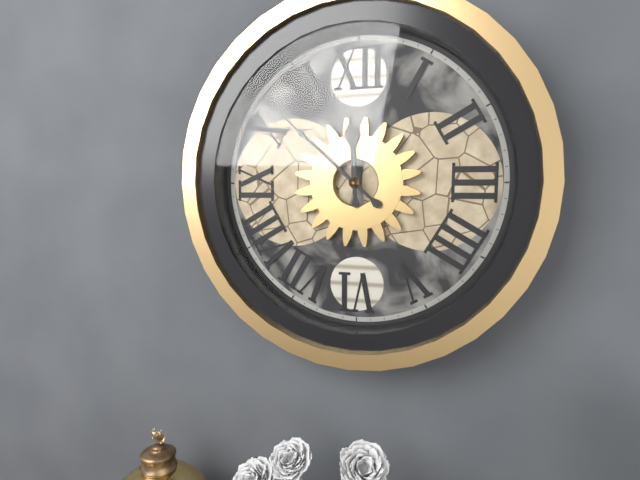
**11:52**
